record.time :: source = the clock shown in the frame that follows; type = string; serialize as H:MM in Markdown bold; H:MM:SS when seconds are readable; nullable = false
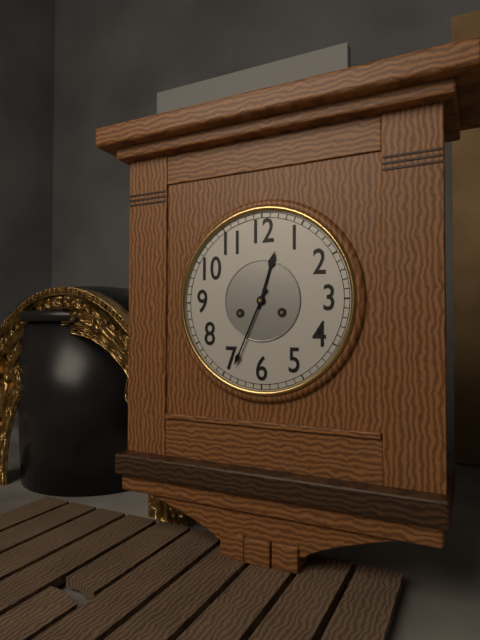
**12:34**
